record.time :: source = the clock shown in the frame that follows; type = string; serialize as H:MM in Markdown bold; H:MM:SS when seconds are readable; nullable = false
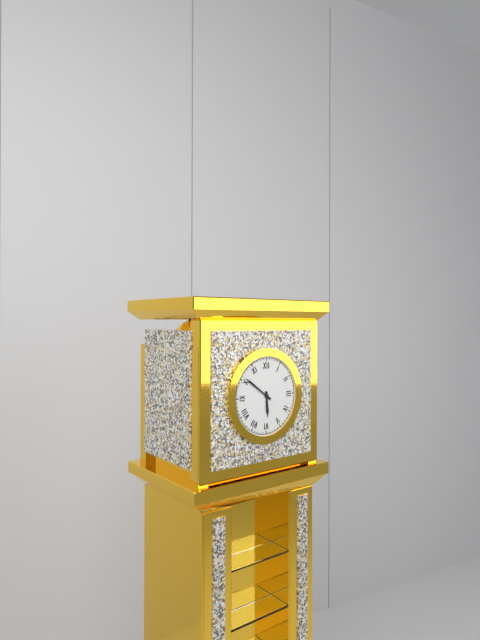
**5:51**
